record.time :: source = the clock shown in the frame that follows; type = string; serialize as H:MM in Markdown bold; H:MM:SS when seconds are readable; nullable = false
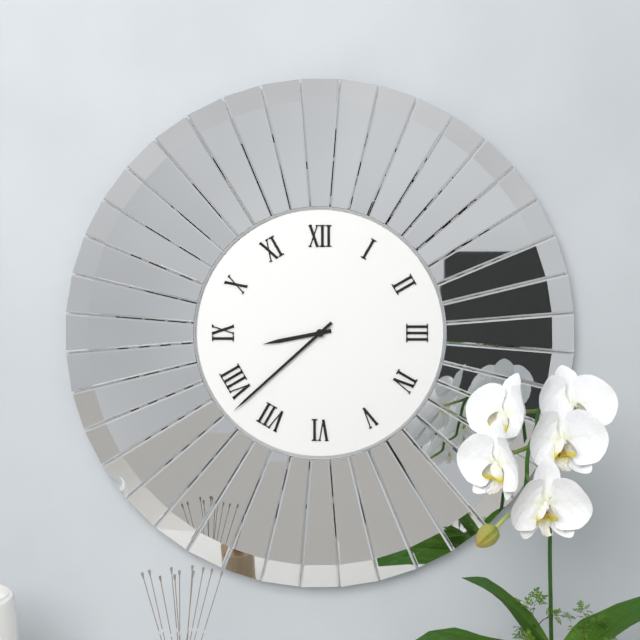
**8:38**
